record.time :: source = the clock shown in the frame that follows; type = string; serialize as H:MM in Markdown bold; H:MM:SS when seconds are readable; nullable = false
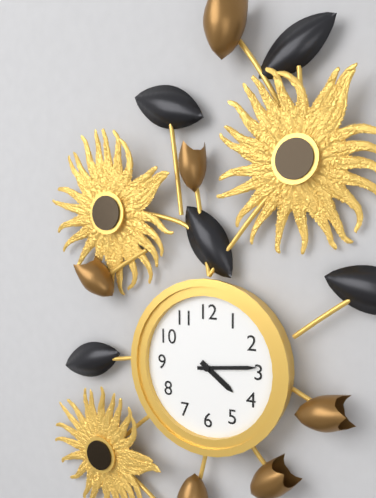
**4:14**
